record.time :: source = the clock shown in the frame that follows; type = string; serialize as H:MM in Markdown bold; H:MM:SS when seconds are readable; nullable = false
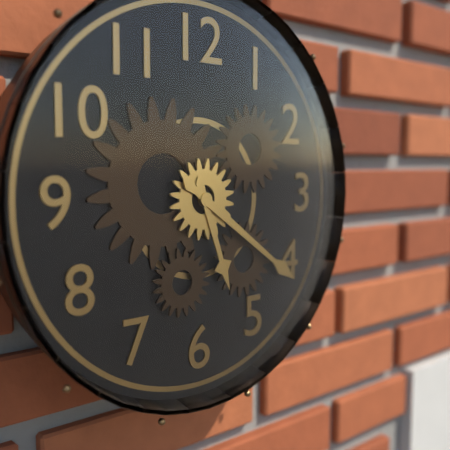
**5:21**
